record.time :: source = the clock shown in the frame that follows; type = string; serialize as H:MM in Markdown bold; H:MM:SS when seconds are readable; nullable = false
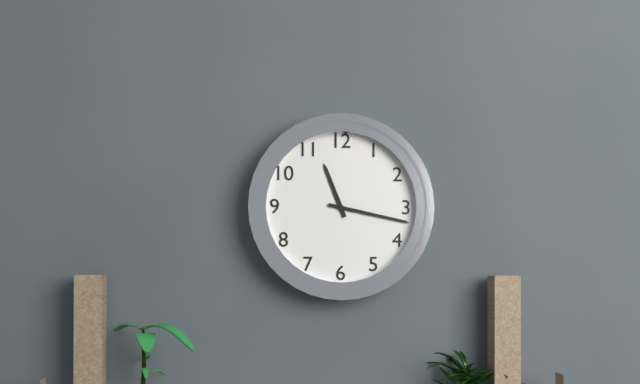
**11:17**
